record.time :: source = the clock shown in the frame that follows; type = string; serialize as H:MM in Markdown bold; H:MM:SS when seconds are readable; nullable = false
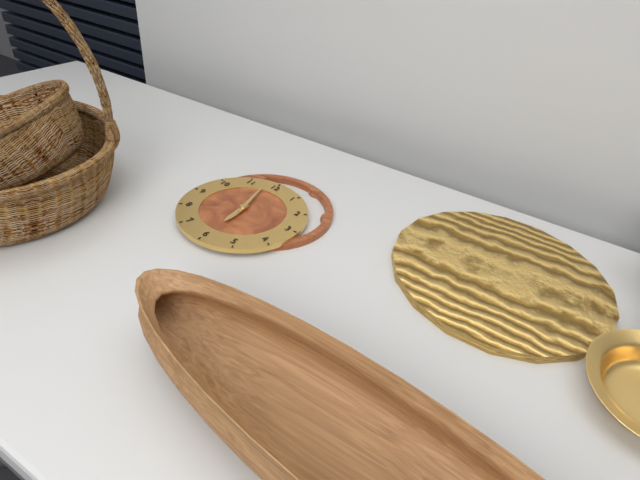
**5:58**
